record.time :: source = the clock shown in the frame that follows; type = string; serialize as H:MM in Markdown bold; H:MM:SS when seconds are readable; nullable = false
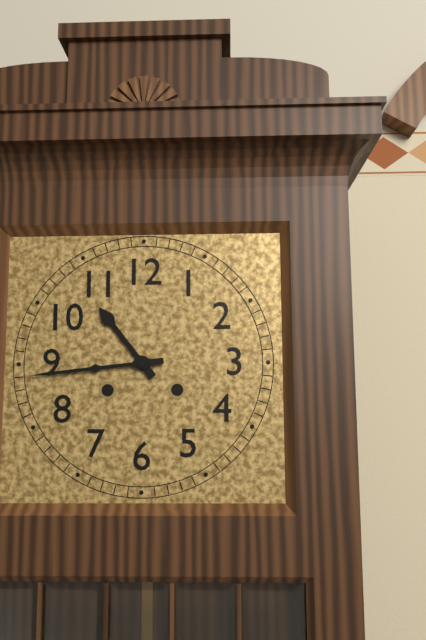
**10:44**
